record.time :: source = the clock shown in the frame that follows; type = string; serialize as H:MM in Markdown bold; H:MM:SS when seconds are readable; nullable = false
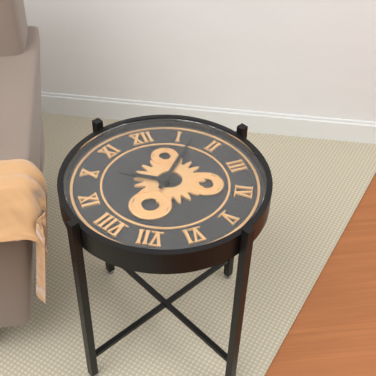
**10:07**
